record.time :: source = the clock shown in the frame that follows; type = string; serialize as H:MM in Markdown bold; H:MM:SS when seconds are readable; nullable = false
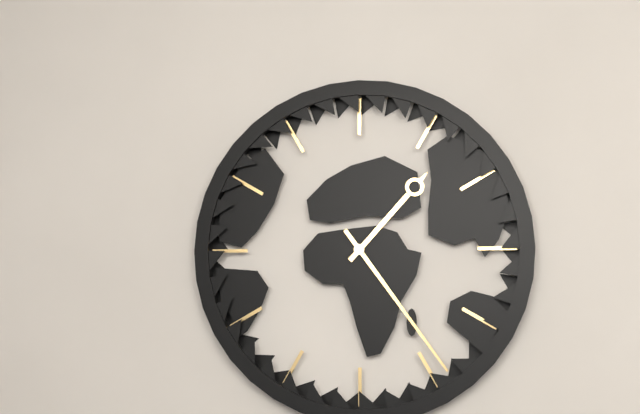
**1:24**
